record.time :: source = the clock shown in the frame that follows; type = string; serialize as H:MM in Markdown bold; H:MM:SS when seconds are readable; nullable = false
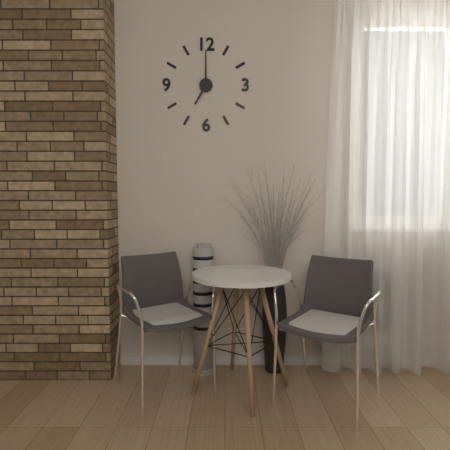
**7:00**
